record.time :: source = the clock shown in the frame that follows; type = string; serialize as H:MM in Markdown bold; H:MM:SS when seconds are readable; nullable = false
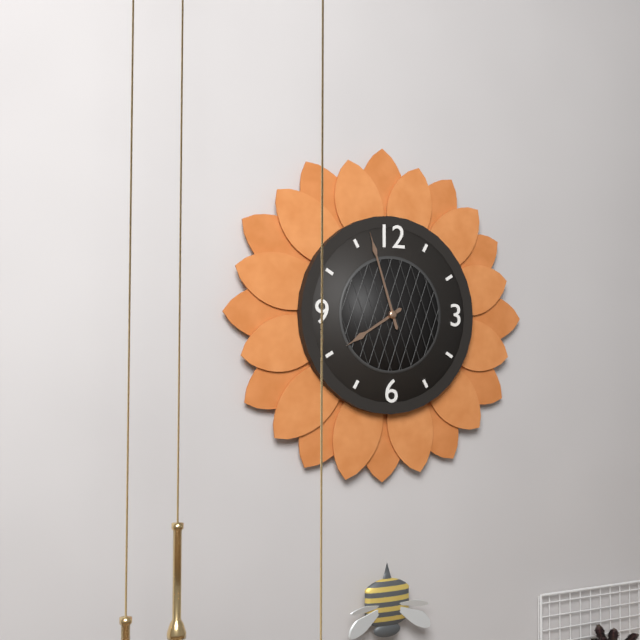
**7:57**
